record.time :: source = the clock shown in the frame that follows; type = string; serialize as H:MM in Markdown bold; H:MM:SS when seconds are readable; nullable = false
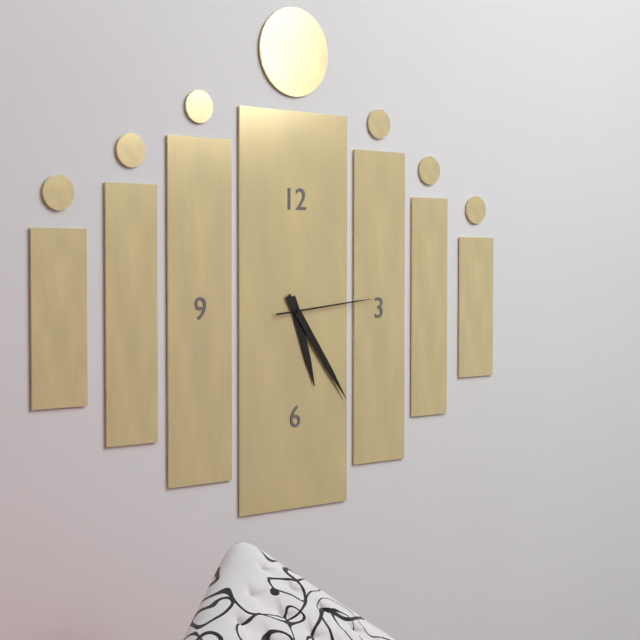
**5:24:14**
